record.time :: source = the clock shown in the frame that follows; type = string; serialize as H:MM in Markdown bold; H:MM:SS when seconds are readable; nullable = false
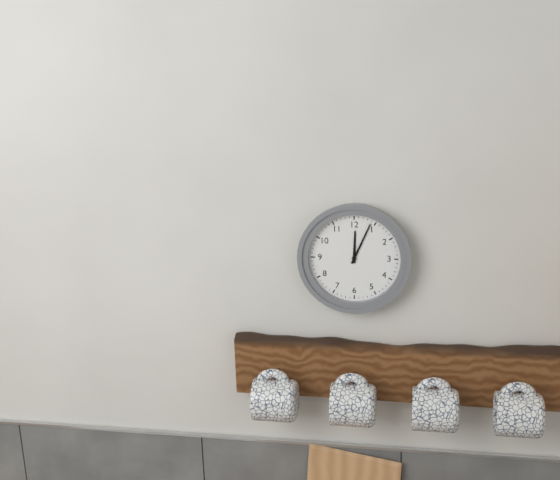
**12:04**
